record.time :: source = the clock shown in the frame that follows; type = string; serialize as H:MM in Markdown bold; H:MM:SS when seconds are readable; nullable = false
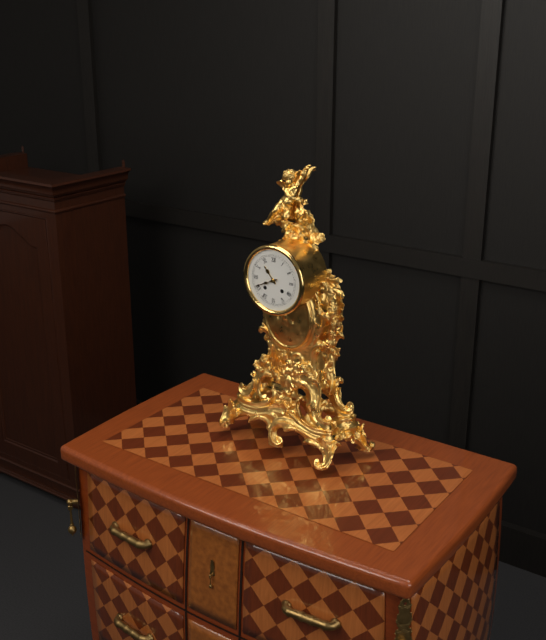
**10:41**
